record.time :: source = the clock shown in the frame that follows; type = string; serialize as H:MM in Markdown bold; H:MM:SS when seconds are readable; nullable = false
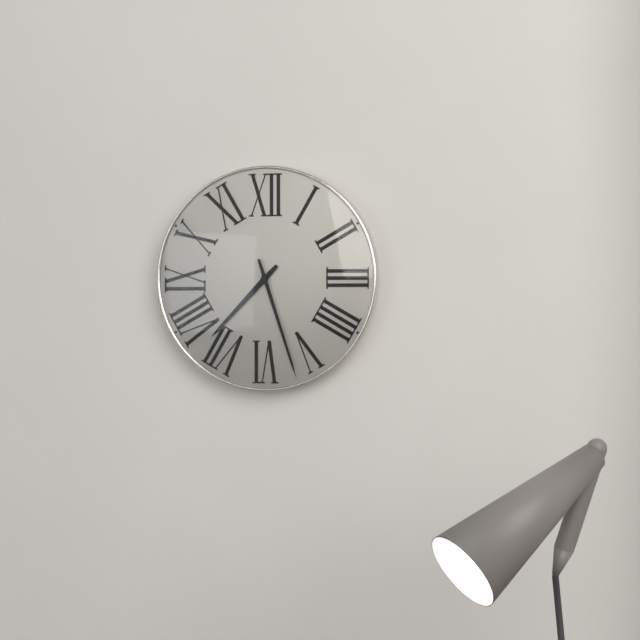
**7:27**
